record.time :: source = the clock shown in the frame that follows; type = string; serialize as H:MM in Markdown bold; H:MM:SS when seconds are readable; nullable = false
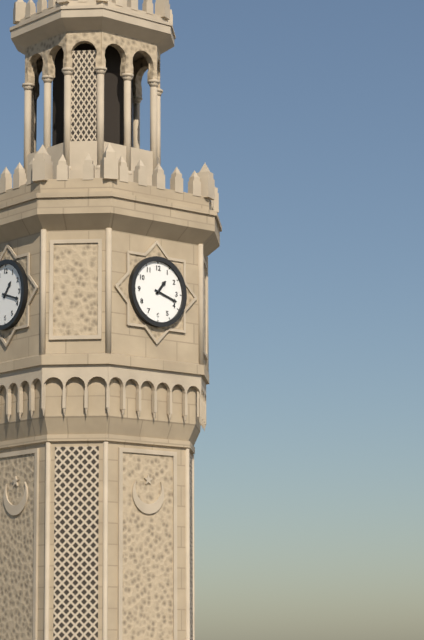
**1:18**
